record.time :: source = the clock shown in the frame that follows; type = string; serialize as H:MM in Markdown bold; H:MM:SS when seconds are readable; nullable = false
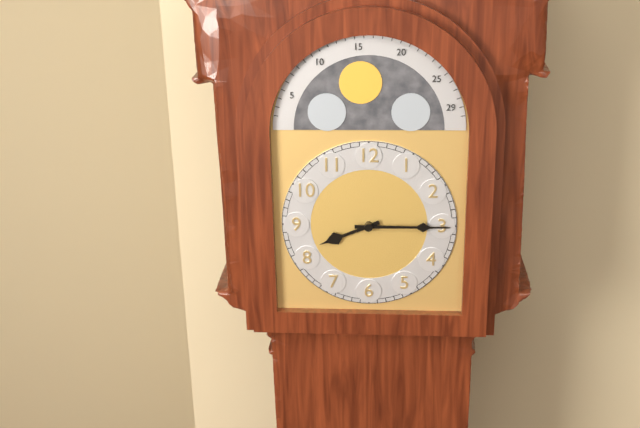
**8:15**
